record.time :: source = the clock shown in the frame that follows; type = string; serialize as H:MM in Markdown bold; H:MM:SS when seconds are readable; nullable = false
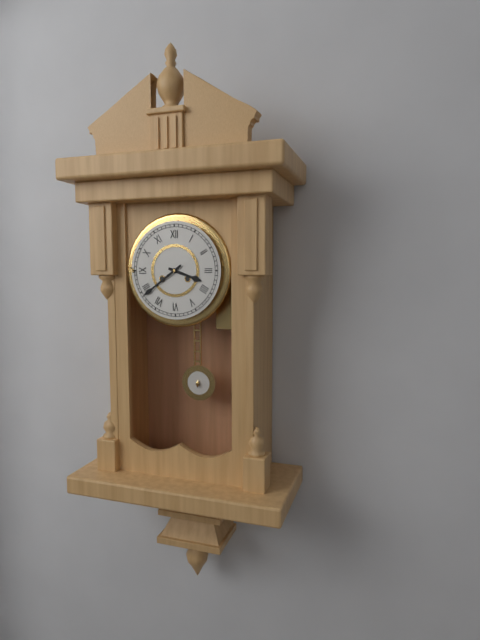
**3:39**
